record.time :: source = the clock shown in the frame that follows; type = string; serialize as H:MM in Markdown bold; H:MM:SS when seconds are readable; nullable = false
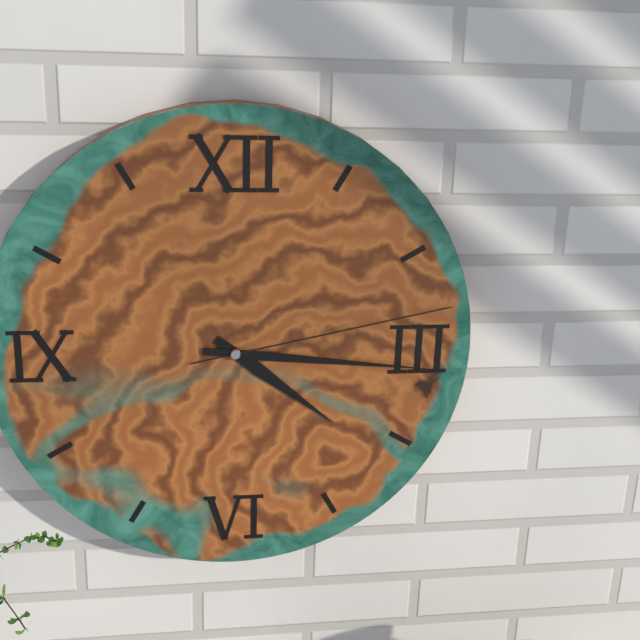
**4:16:13**
